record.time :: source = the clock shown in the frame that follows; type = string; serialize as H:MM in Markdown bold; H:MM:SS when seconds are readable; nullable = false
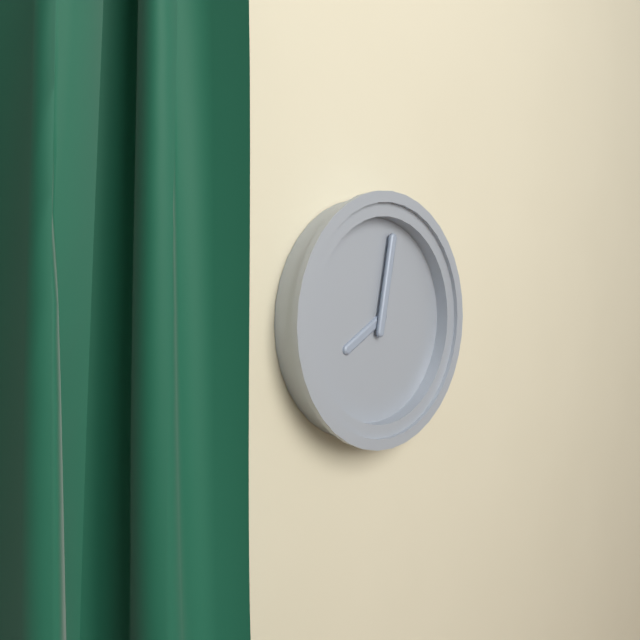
**8:02**
